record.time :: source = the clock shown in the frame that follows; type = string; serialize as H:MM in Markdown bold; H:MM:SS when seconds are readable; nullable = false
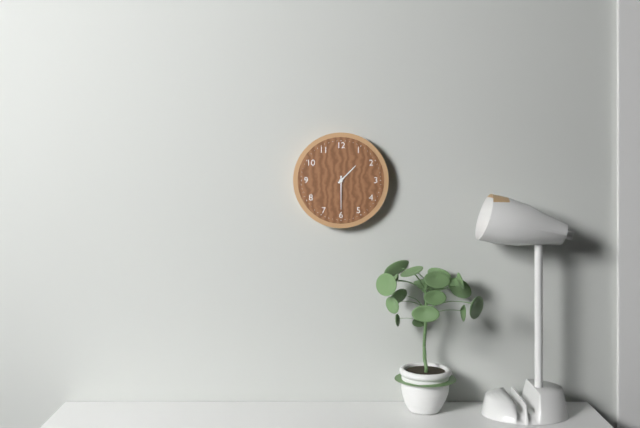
**1:30**
